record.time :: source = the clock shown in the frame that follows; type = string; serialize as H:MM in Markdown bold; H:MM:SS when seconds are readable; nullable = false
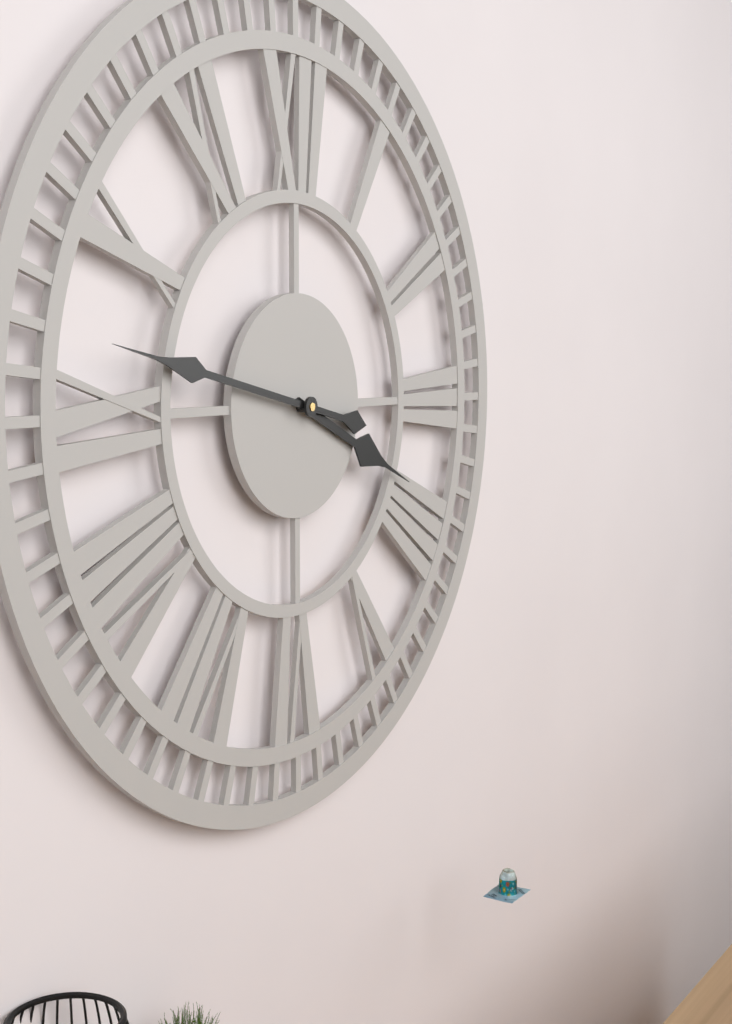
**3:47**
